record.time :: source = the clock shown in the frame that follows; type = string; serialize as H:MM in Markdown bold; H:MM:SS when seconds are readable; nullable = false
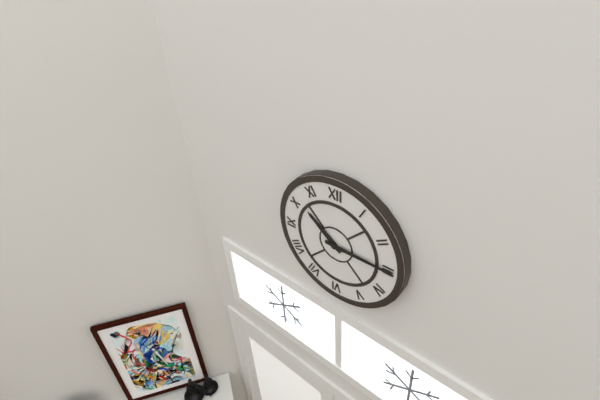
**10:15**
